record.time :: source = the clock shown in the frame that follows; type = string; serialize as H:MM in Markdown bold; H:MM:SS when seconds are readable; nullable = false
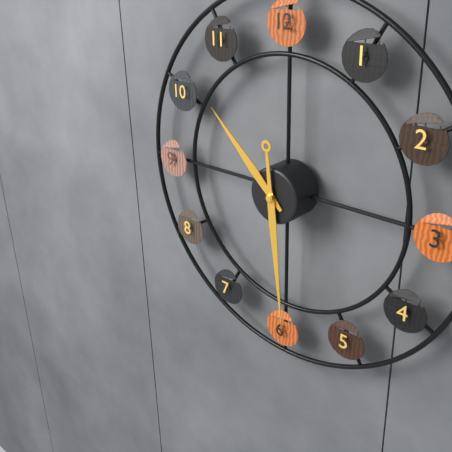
**10:29**
